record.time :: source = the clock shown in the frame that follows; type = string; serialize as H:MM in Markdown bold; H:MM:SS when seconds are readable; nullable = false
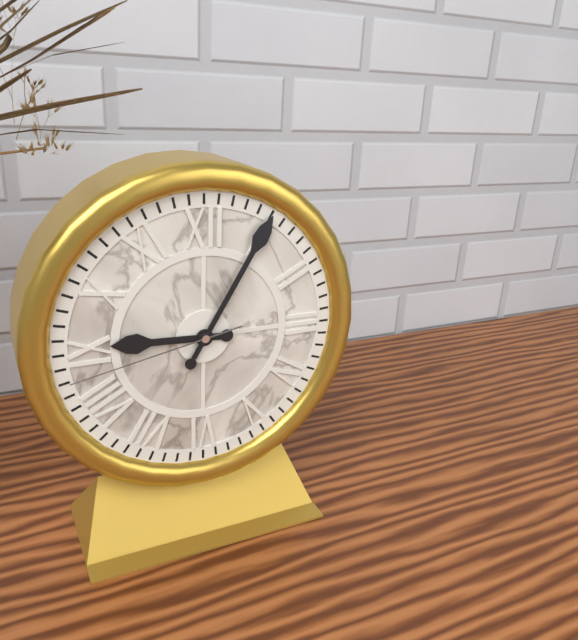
**9:05:43**
